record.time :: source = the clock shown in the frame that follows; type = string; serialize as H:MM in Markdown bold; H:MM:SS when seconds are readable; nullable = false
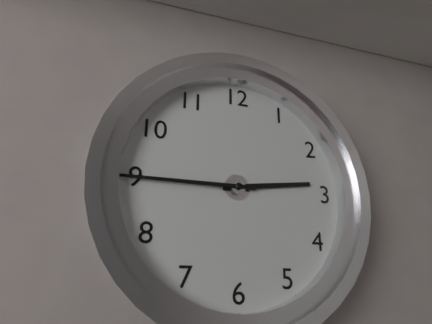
**2:45**
